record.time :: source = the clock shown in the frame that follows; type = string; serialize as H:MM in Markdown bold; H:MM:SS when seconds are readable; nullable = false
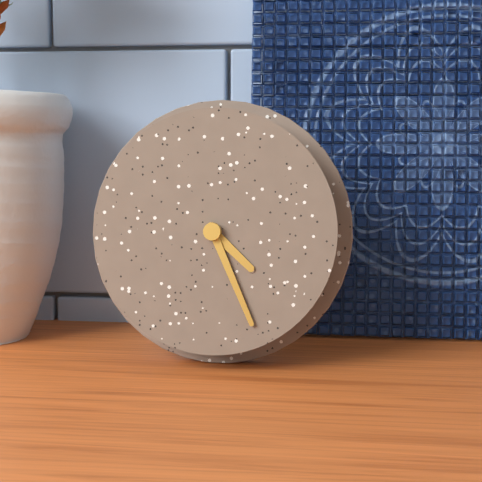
**4:26**
